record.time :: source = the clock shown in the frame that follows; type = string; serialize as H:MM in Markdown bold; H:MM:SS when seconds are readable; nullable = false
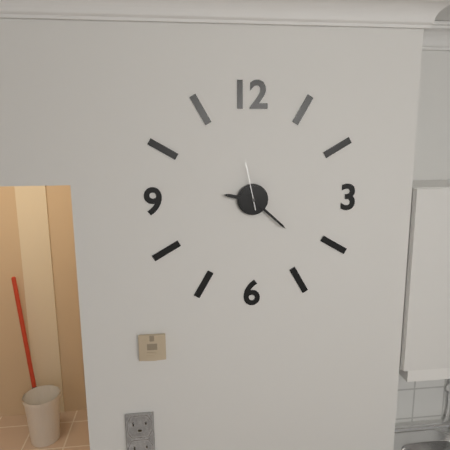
**9:22**
